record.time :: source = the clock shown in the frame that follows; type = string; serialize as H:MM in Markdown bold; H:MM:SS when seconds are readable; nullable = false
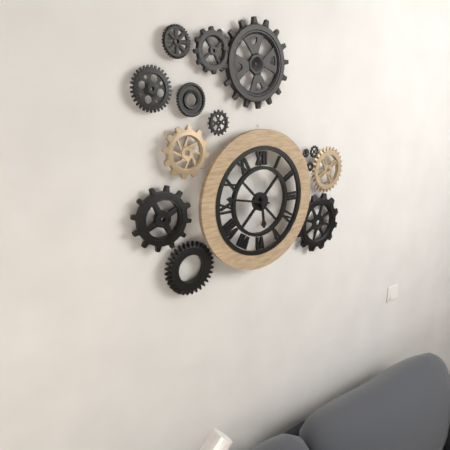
**5:47**
